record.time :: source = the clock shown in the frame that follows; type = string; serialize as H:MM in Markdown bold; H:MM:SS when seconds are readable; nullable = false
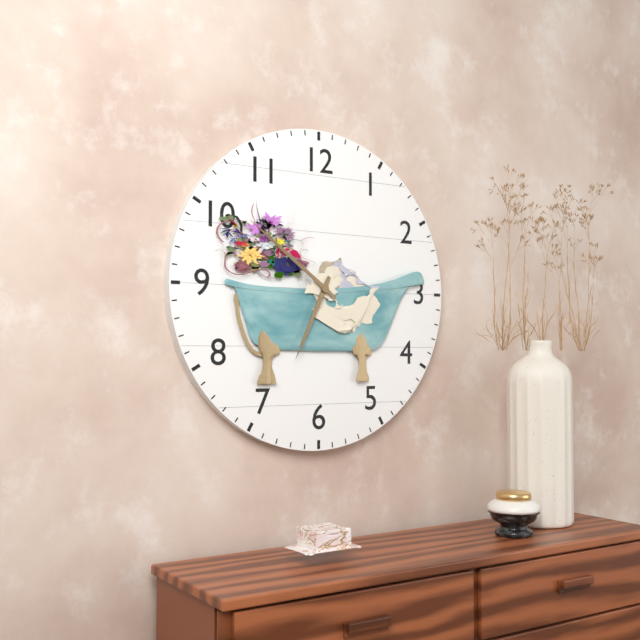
**6:51**
